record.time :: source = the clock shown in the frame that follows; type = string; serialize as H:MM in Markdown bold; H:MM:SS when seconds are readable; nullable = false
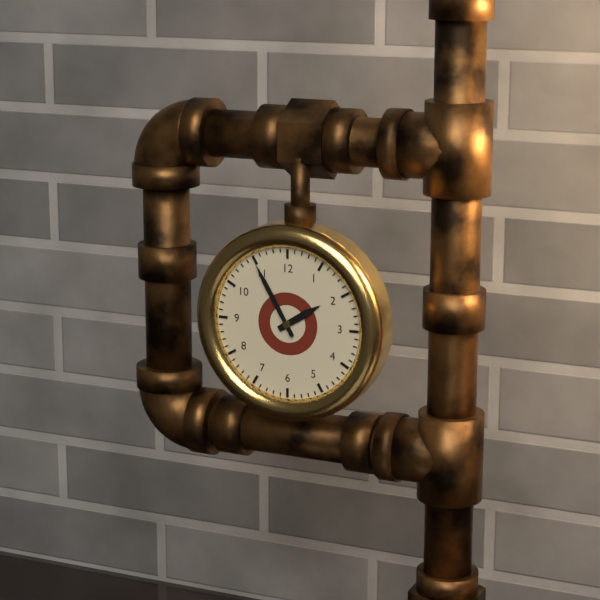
**1:55**
